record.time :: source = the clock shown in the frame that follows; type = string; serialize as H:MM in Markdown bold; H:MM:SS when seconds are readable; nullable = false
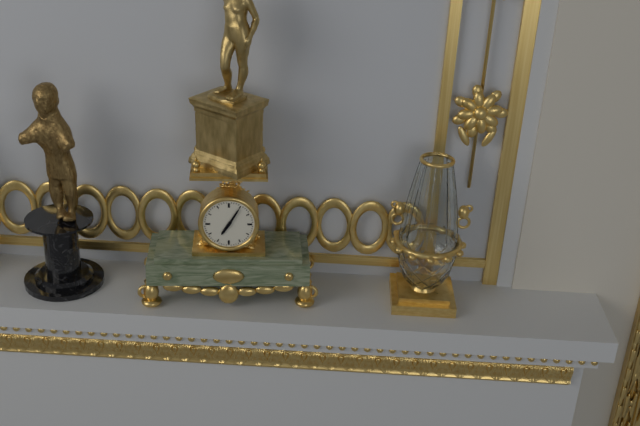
**7:05**
